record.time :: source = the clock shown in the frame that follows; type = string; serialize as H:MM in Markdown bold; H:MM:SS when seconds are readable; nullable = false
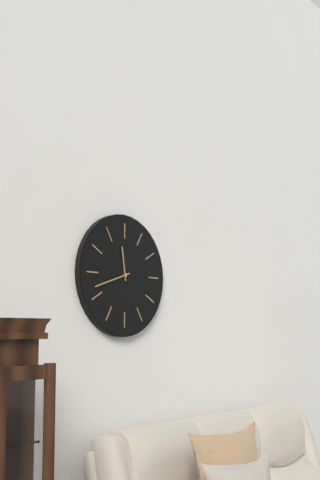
**11:42**
